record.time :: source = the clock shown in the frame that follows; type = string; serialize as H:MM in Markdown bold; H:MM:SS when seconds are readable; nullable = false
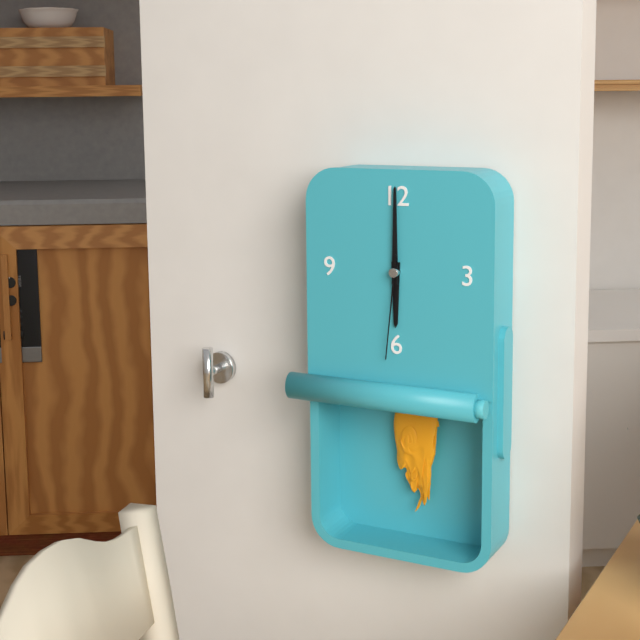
**6:00:31**
